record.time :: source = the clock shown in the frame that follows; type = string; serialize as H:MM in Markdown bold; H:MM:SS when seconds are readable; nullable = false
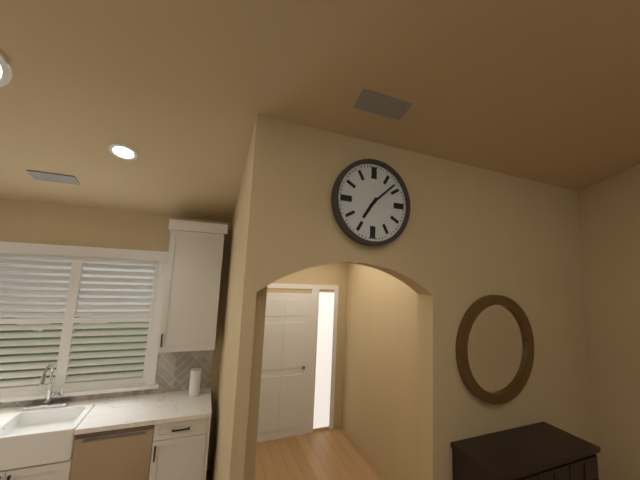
**7:08**
